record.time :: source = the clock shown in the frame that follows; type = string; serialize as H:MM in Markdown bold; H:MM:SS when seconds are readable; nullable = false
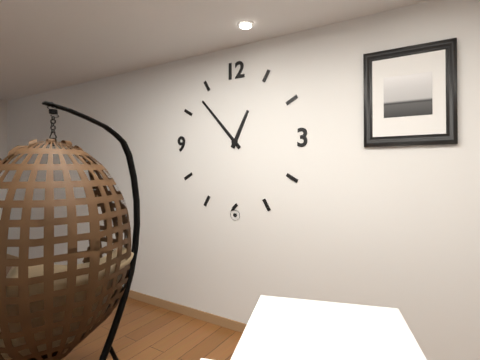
**12:53**
